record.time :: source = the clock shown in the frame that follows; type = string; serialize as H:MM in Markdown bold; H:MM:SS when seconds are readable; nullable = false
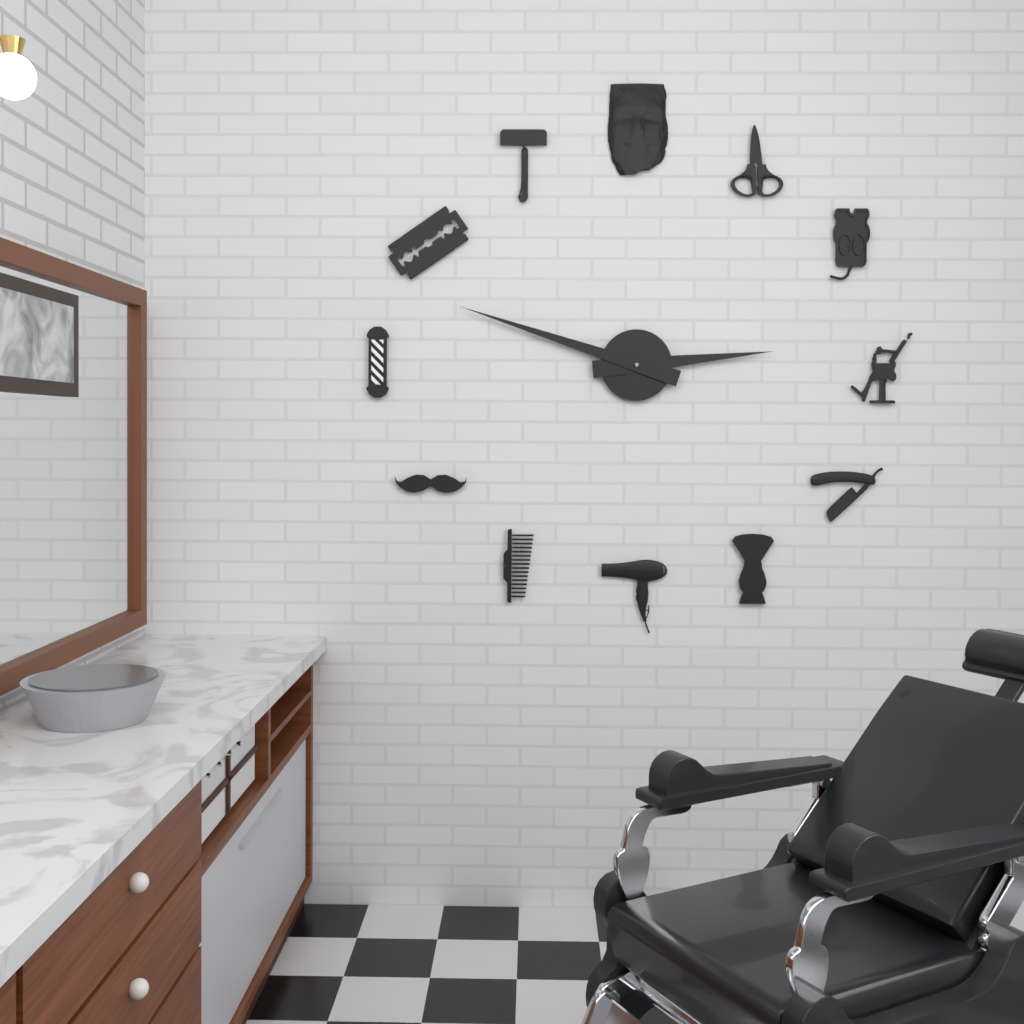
**2:48**
